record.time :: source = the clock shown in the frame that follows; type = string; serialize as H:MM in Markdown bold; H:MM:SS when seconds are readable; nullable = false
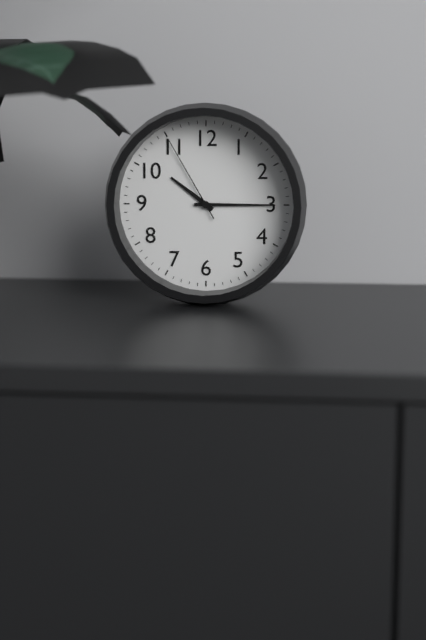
**10:15:55**
